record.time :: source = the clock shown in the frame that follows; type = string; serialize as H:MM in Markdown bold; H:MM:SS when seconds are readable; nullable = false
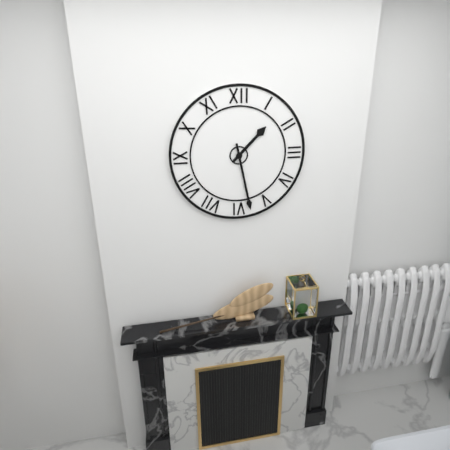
**1:28**
